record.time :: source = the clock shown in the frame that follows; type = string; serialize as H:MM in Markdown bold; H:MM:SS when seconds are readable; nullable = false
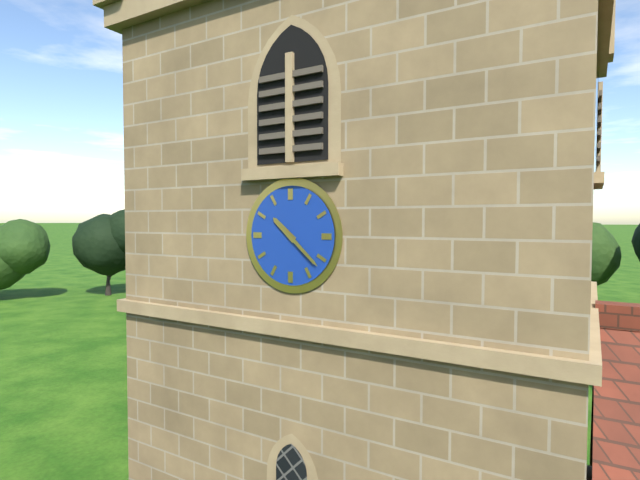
**10:22**
